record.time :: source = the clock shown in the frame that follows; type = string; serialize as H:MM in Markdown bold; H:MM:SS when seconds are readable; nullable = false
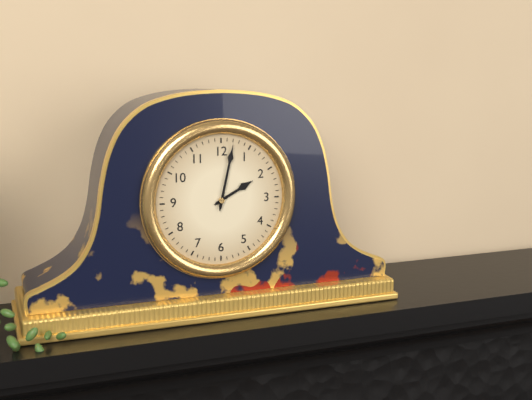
**2:02**
